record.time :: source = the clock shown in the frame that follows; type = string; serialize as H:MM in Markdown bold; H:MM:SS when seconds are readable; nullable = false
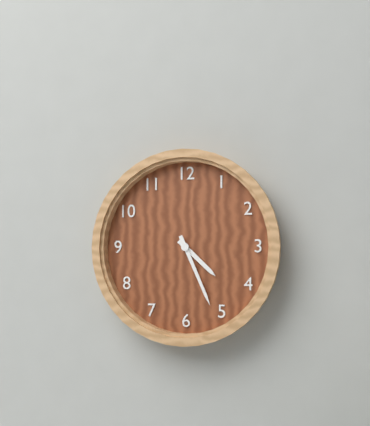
**4:26**
